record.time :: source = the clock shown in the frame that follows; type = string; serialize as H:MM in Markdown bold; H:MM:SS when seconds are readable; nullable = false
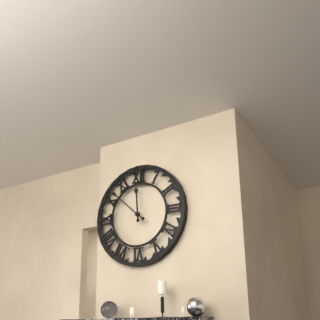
**11:52**
